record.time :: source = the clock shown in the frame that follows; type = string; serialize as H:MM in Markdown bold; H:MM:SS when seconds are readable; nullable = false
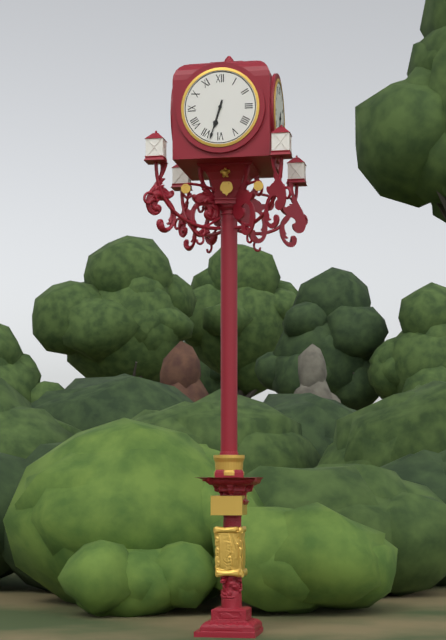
**6:33**
